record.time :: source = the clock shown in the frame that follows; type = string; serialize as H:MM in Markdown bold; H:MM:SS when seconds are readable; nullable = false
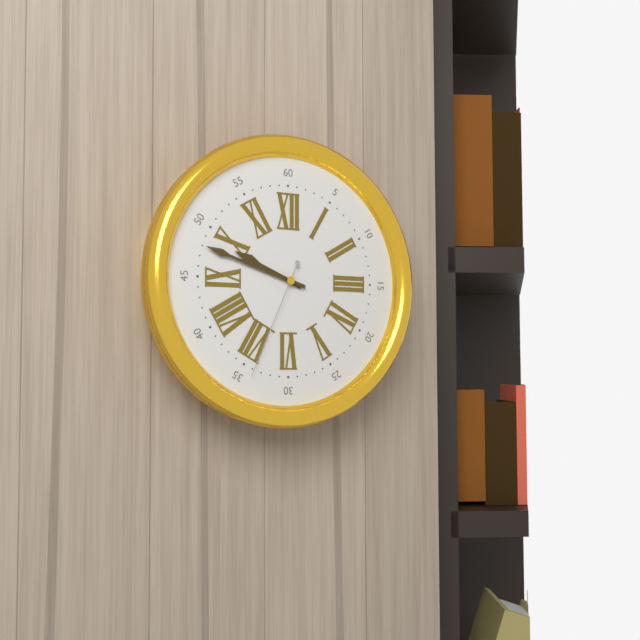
**9:48:34**
